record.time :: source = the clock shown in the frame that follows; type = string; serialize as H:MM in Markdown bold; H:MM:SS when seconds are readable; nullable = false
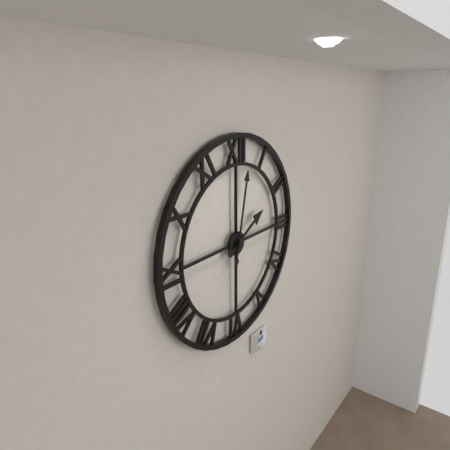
**2:02**
